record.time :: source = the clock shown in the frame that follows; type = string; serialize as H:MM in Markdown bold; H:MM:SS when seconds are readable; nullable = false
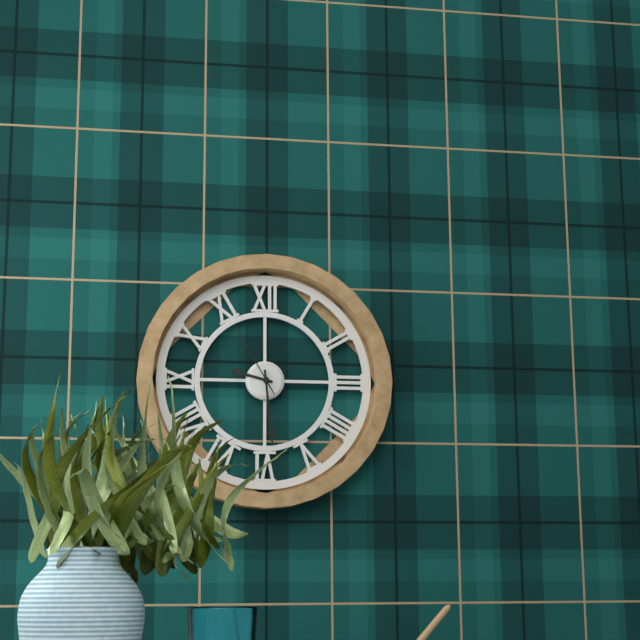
**9:29:55**
